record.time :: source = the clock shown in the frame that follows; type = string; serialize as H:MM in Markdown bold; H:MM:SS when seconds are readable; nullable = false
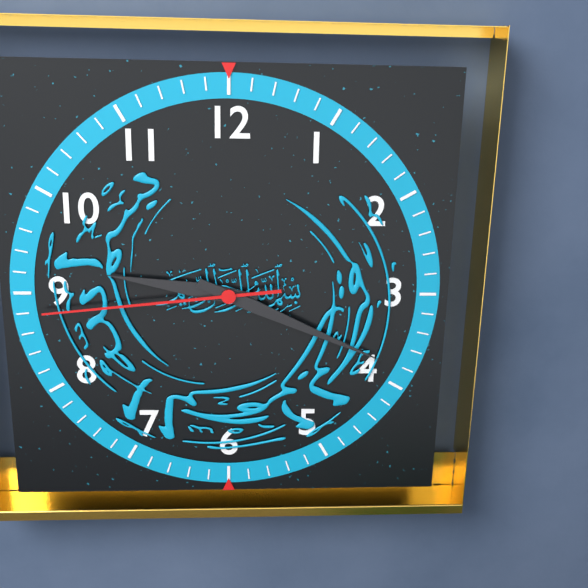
**9:19:44**
